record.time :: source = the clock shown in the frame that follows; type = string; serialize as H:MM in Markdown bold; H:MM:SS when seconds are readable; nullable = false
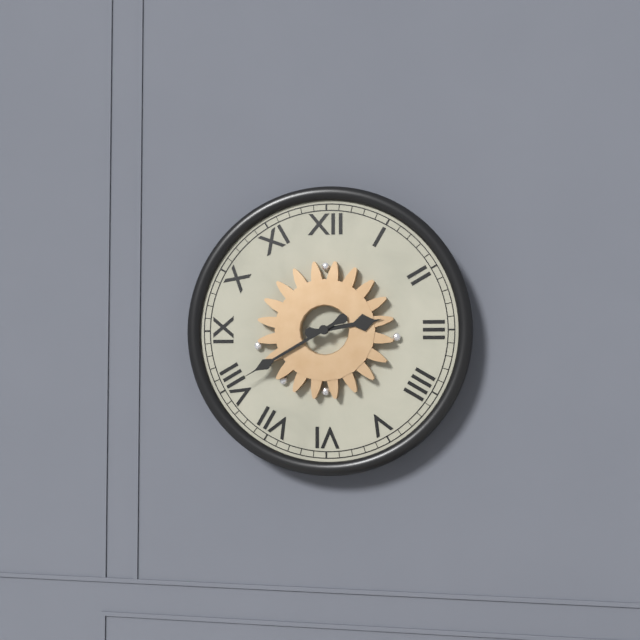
**2:40**
